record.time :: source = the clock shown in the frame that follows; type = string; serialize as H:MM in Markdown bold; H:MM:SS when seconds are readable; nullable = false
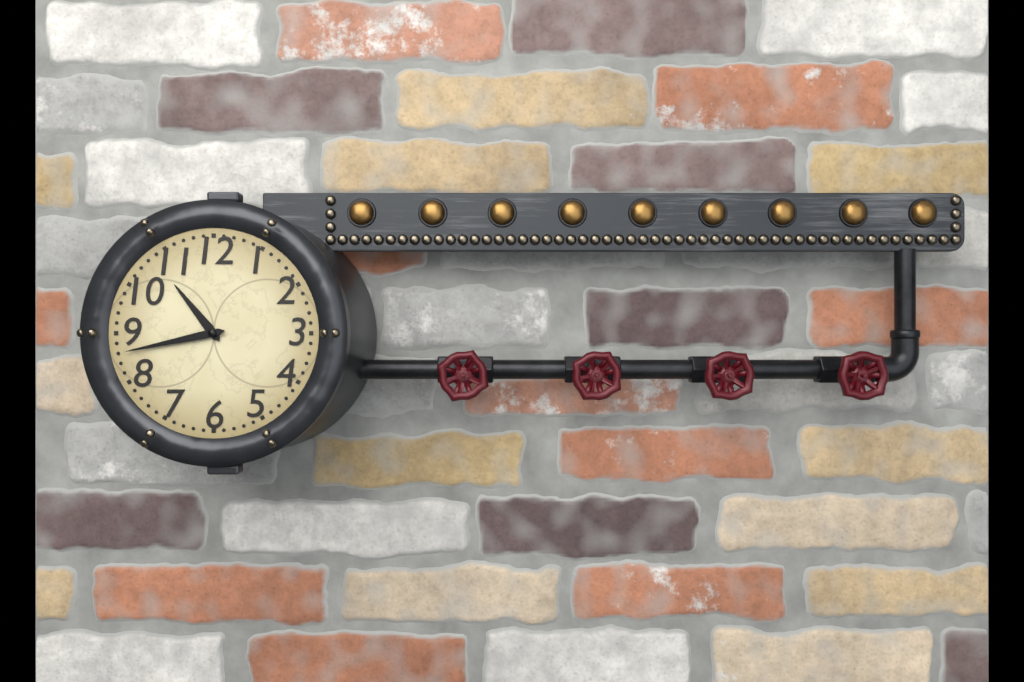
**10:43**
